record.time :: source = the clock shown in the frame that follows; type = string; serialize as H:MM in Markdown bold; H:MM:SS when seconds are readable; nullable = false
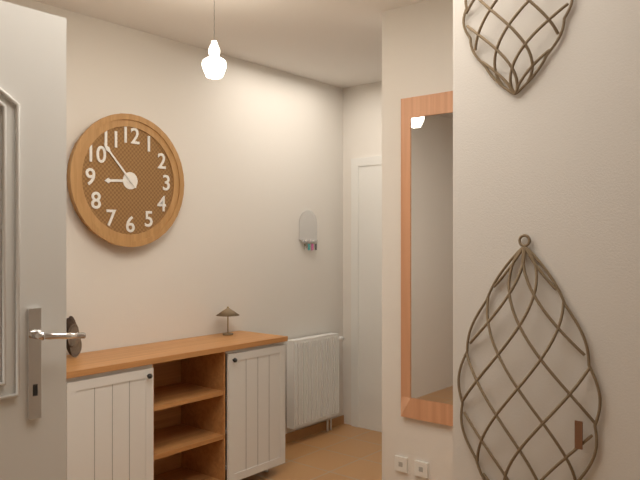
**8:53**
